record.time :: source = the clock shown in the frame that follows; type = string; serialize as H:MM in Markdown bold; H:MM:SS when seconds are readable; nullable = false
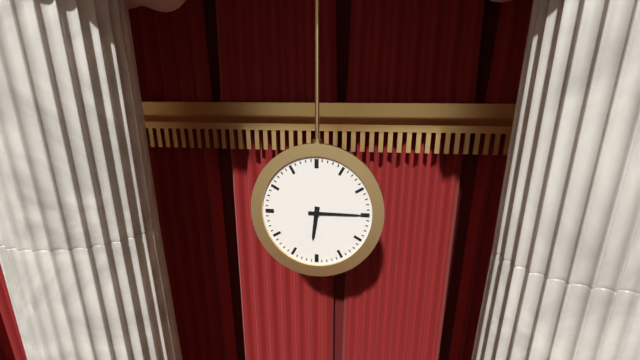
**6:15**
